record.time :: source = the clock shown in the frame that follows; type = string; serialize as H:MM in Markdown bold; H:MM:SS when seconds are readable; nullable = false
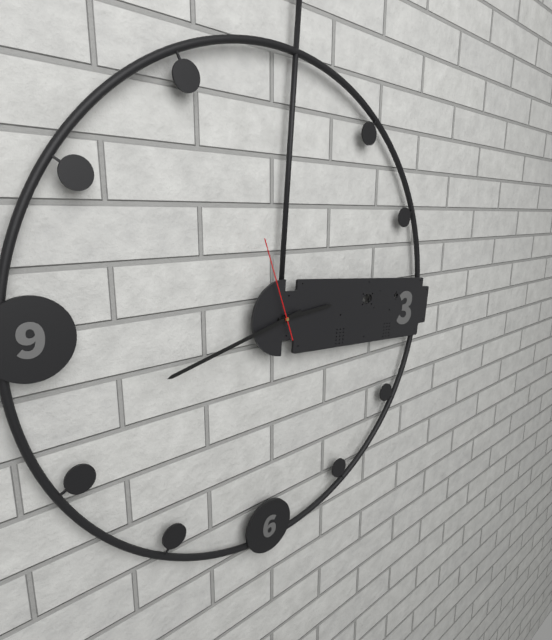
**2:42:56**
